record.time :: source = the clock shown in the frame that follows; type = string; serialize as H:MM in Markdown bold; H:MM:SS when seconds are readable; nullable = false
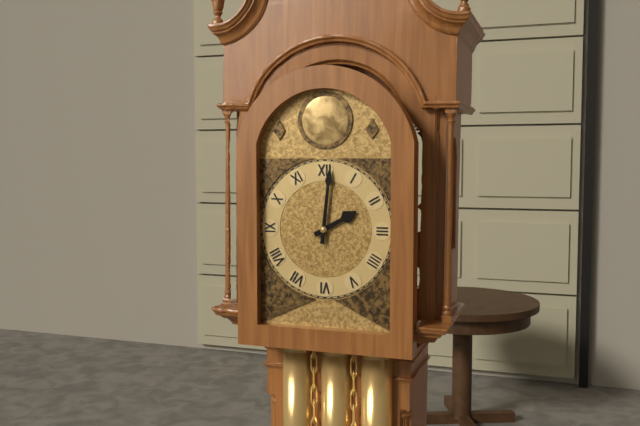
**2:01**
